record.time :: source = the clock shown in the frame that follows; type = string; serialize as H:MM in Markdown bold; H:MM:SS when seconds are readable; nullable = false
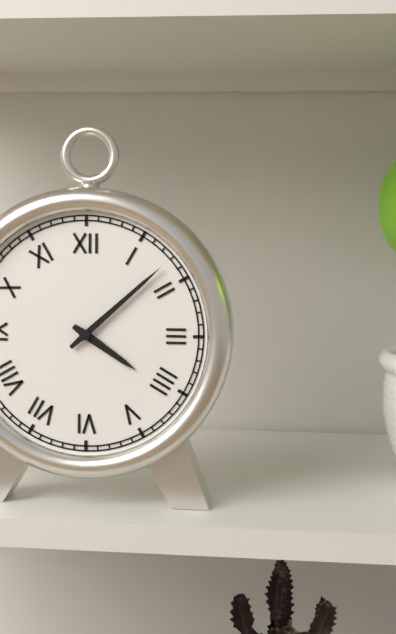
**4:08**
